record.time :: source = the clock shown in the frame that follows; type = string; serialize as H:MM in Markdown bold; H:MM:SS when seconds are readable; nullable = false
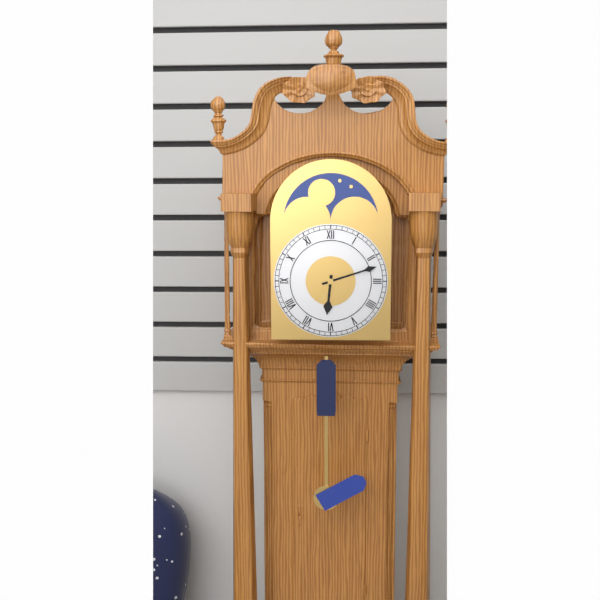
**6:12**
